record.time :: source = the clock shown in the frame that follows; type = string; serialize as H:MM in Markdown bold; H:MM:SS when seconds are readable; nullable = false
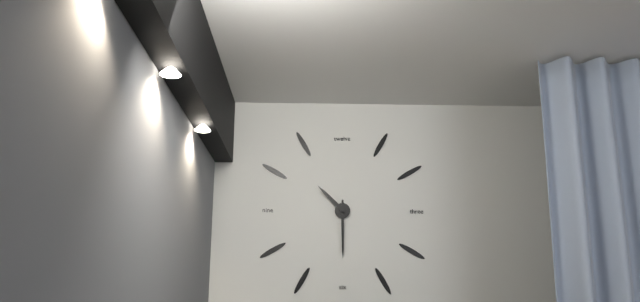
**10:30**
